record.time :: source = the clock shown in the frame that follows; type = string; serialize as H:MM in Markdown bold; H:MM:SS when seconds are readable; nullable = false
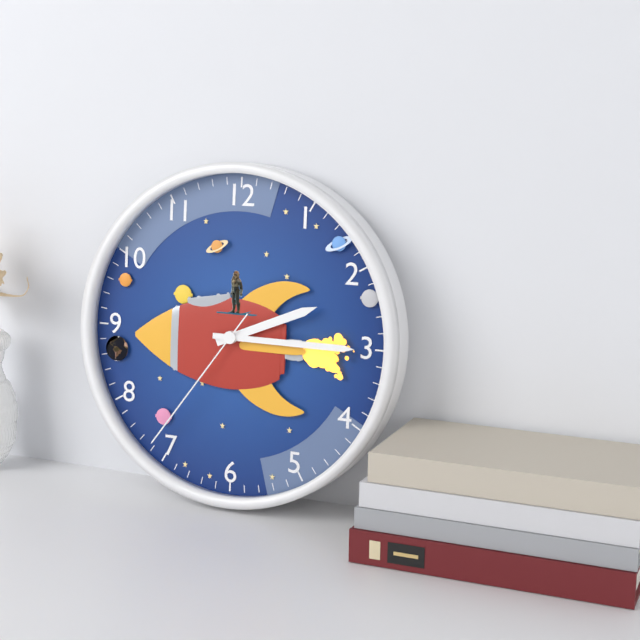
**2:15:36**
